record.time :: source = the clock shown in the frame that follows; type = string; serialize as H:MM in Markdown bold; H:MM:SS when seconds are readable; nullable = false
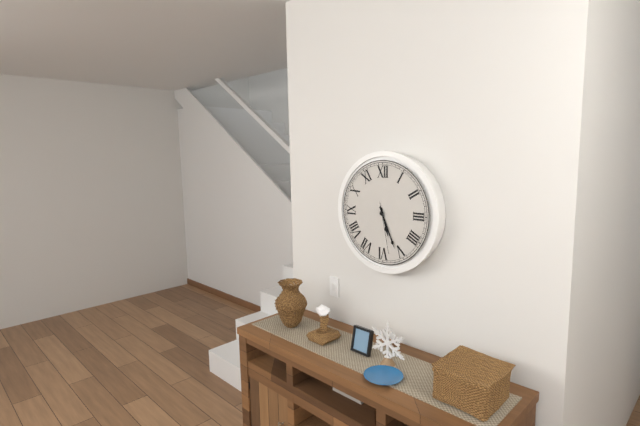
**5:26:28**
